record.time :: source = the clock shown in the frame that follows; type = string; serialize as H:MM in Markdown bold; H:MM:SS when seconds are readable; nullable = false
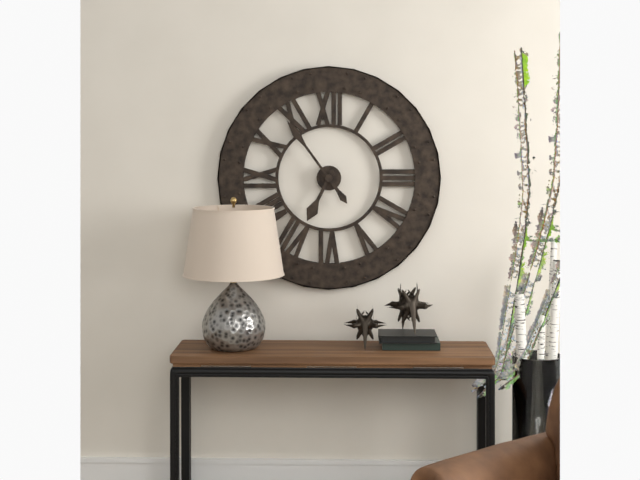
**6:54**
